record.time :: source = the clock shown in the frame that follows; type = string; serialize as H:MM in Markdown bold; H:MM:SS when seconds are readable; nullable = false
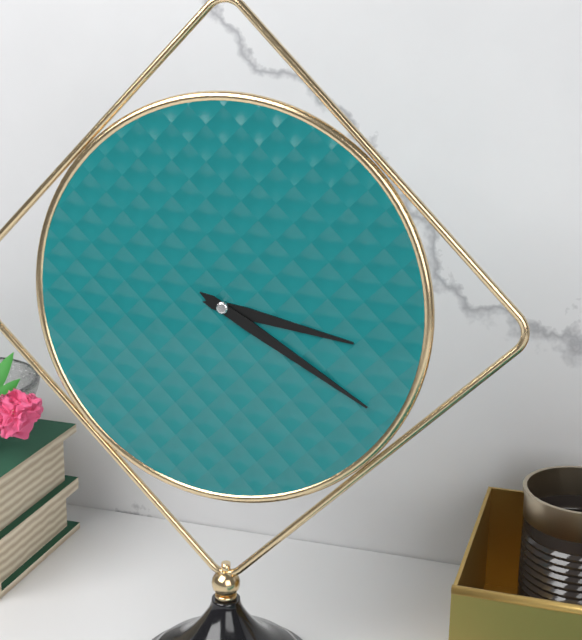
**3:20**
